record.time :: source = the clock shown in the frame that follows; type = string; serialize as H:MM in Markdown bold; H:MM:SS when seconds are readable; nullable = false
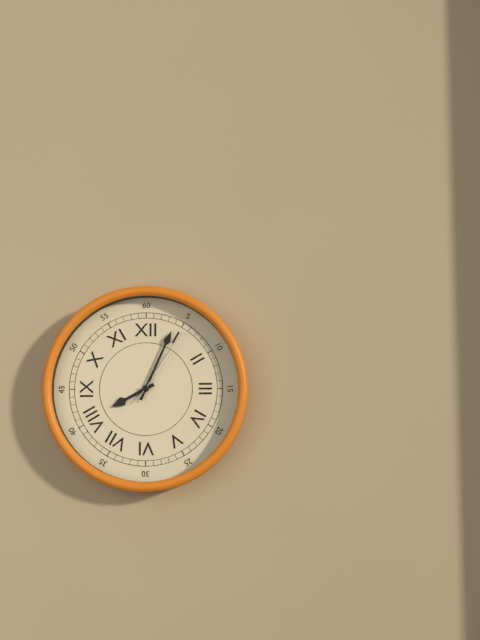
**8:04:06**
